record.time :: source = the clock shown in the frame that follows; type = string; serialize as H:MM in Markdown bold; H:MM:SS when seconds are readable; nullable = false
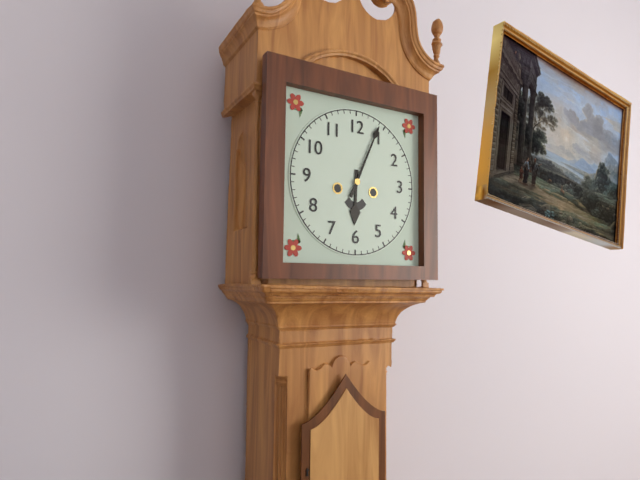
**6:04**
